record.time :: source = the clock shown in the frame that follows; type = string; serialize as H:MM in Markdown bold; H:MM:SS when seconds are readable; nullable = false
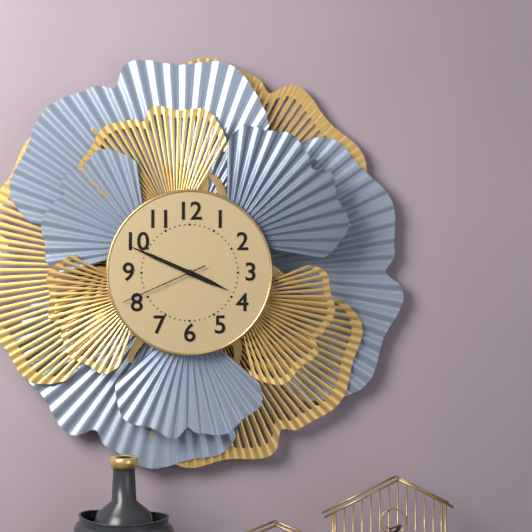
**3:49:41**
